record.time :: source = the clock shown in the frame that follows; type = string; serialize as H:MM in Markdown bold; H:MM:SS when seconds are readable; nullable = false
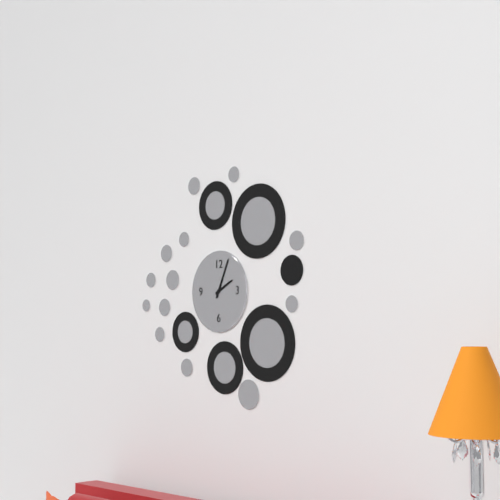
**2:04**
